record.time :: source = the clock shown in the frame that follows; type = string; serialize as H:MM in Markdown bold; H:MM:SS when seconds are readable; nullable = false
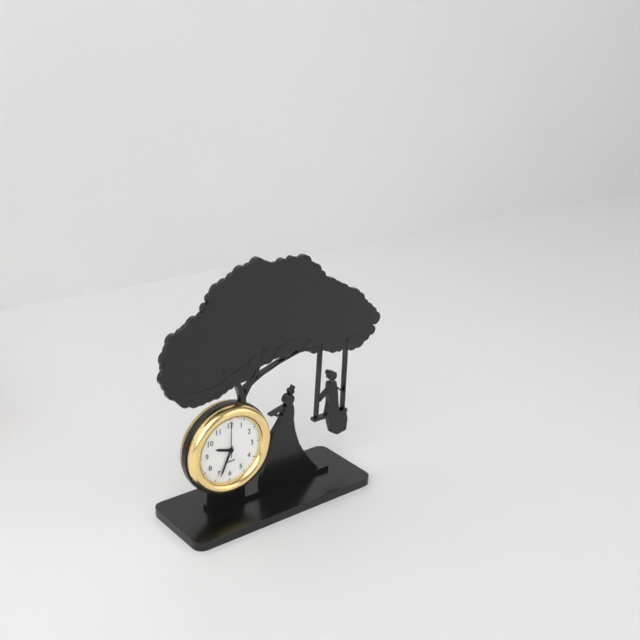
**9:34**
